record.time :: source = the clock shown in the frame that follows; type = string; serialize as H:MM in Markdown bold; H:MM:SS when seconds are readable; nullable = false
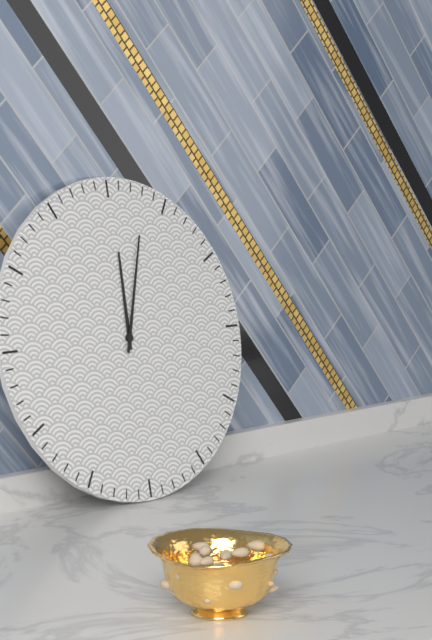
**12:03**
